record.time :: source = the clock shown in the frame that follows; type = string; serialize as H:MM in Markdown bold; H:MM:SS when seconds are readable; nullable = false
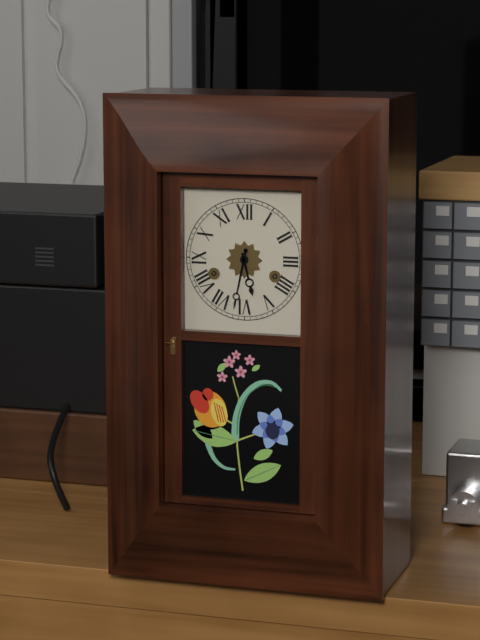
**5:32**
